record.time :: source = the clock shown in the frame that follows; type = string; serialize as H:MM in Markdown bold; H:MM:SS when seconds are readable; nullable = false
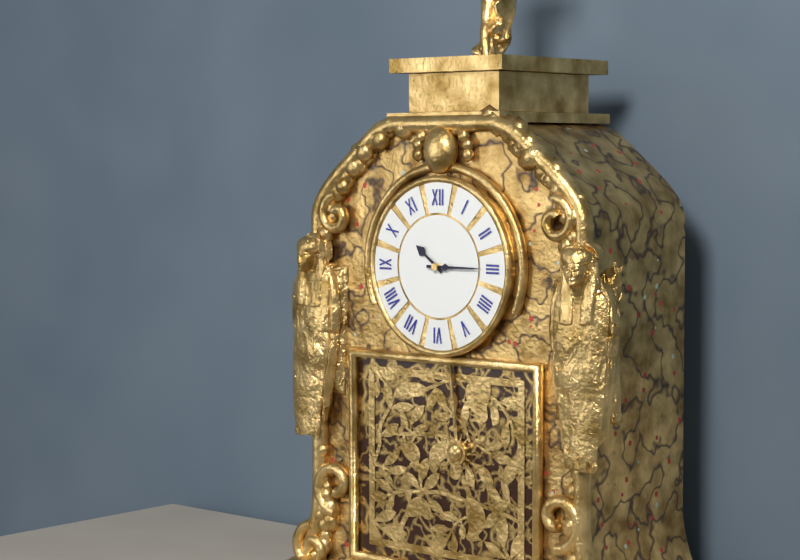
**10:15**
